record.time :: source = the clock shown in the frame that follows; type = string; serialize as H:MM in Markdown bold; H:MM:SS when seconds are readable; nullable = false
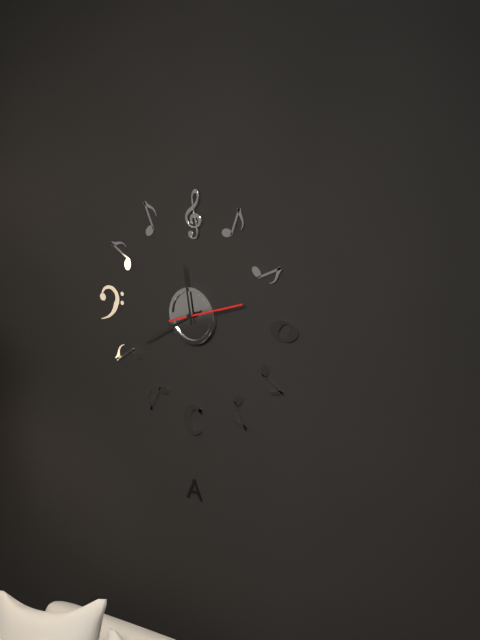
**11:40:12**
